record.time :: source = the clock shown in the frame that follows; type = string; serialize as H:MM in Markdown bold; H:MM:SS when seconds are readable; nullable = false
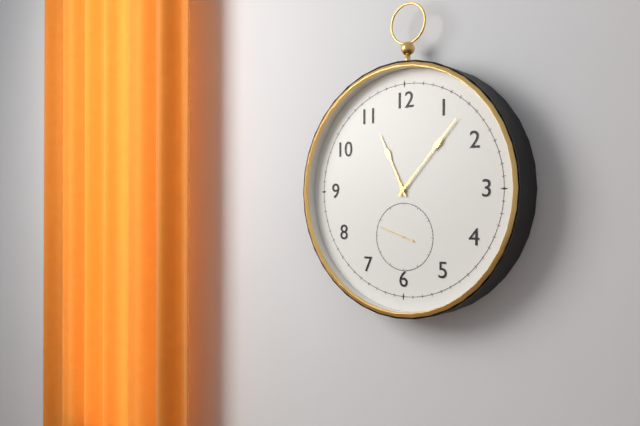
**11:07**
